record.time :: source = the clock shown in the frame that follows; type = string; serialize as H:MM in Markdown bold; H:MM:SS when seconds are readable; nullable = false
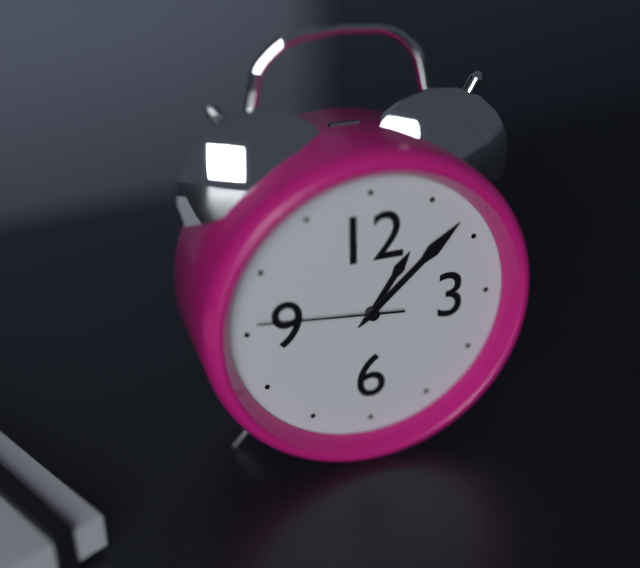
**1:08:46**
